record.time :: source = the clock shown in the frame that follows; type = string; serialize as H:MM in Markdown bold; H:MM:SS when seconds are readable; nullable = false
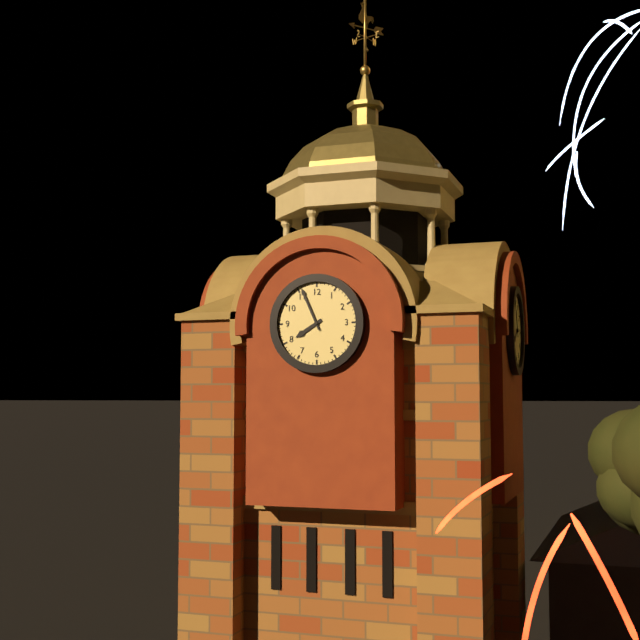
**7:56**
